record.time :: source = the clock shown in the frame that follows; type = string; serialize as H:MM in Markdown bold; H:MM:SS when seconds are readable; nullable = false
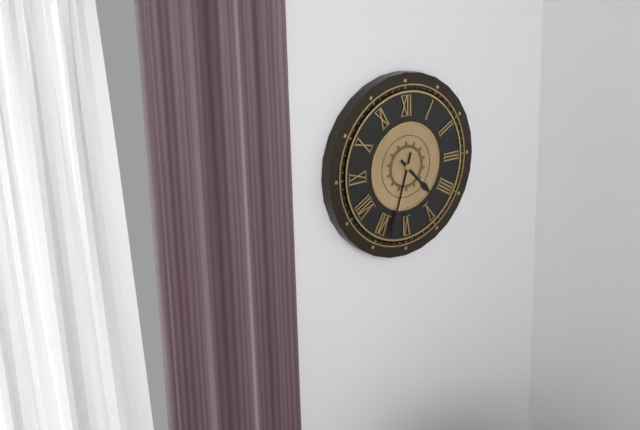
**4:33**
